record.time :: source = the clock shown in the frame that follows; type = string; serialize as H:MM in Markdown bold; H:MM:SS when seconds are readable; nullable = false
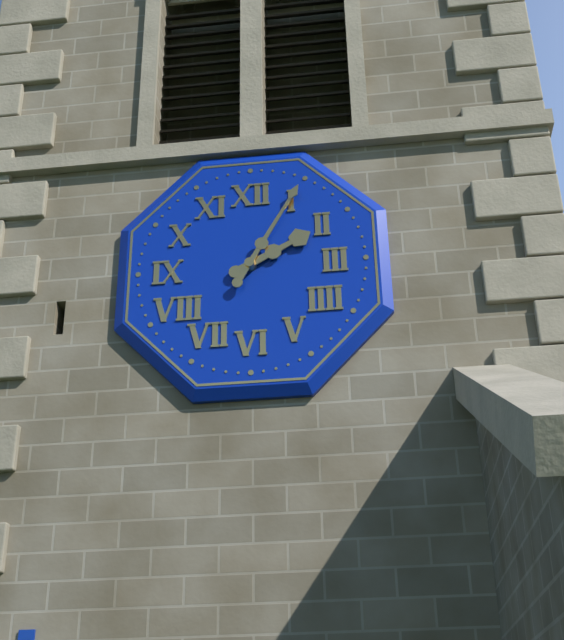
**2:05**
